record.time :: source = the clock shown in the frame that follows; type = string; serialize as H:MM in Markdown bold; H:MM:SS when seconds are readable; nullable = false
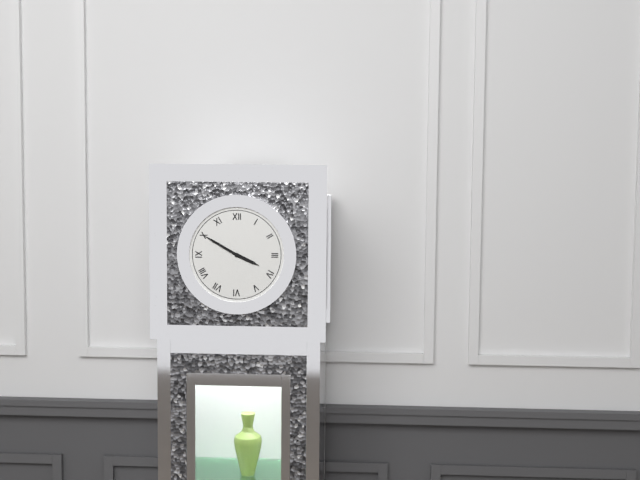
**3:50**
